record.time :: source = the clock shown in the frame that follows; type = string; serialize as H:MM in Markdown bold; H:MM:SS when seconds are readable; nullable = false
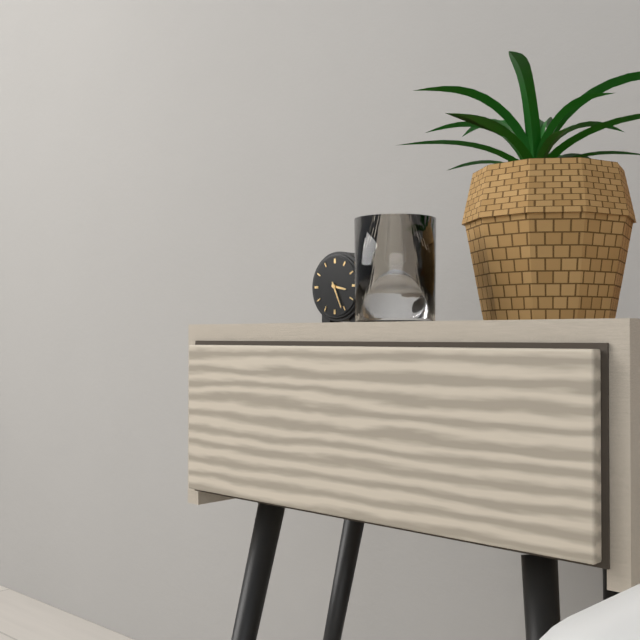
**3:26**
